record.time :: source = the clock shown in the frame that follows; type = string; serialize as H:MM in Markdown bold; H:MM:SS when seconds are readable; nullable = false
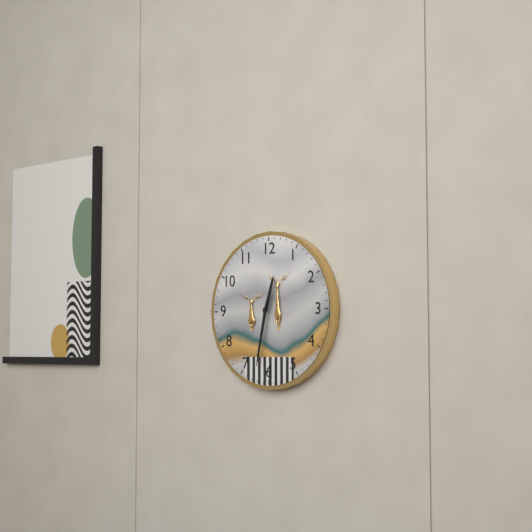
**12:32**
